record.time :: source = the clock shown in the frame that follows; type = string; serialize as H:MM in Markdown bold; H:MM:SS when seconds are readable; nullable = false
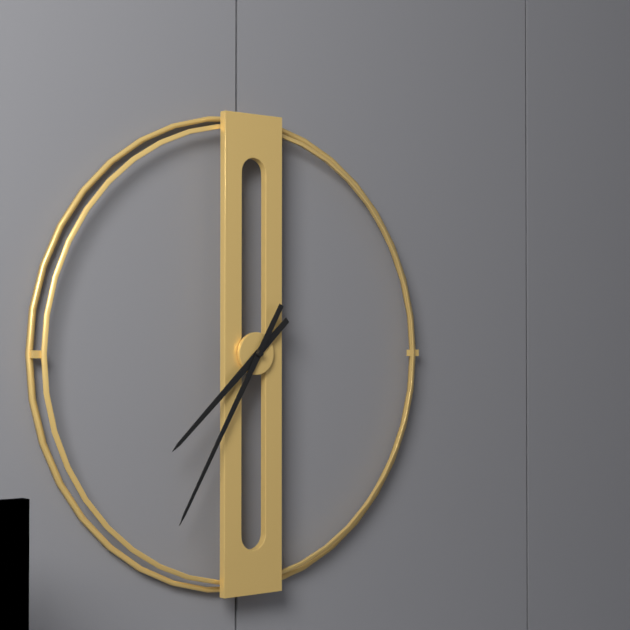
**7:35**
